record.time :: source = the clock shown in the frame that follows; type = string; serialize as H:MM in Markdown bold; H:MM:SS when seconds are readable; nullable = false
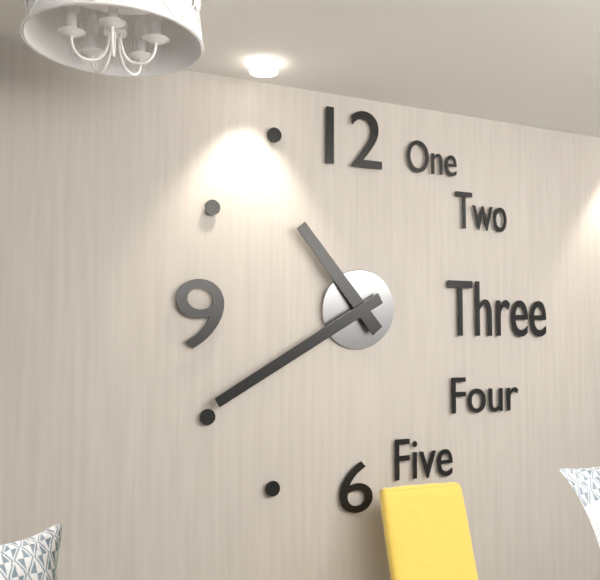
**10:40**
